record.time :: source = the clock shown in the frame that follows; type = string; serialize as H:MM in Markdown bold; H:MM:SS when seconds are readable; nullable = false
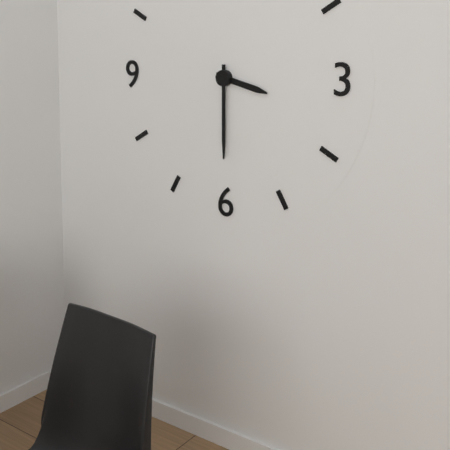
**3:30**
